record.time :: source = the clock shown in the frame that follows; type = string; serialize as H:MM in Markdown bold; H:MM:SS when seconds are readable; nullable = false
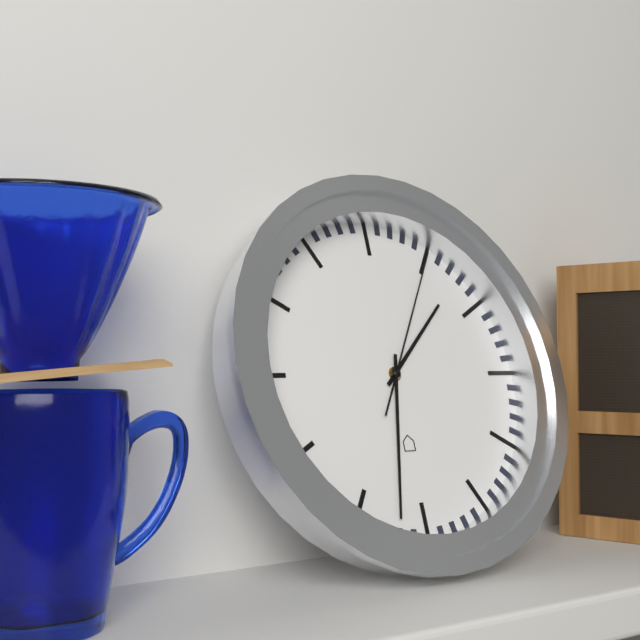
**1:32:05**
